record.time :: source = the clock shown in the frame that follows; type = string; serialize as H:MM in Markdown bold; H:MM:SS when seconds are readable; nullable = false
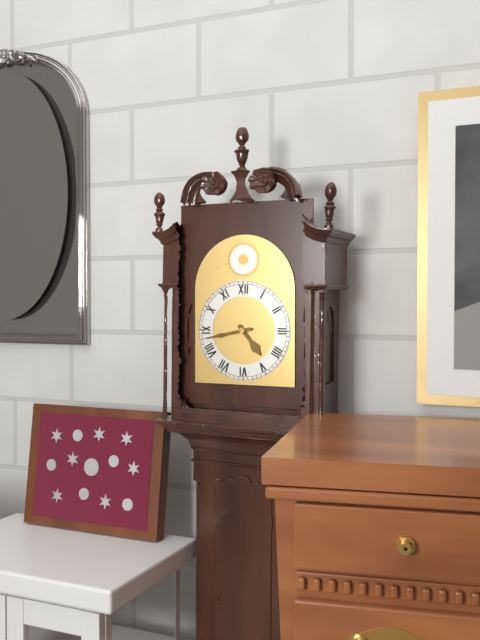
**4:43**
